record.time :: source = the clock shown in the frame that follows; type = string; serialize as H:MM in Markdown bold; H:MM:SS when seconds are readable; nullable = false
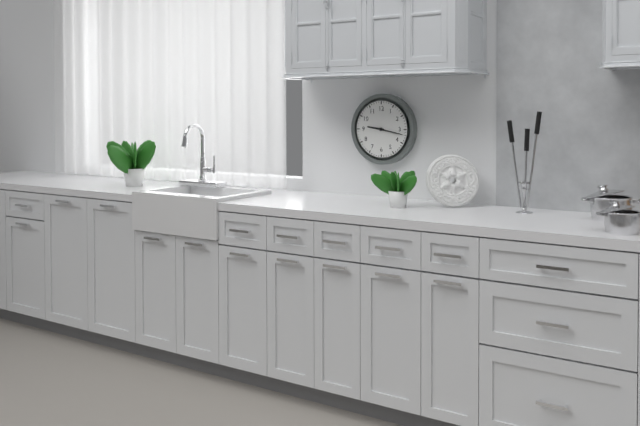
**9:17**
